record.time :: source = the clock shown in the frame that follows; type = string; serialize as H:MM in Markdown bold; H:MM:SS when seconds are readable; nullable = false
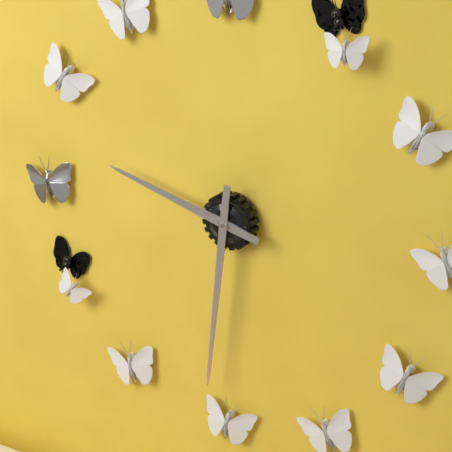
**9:31**
